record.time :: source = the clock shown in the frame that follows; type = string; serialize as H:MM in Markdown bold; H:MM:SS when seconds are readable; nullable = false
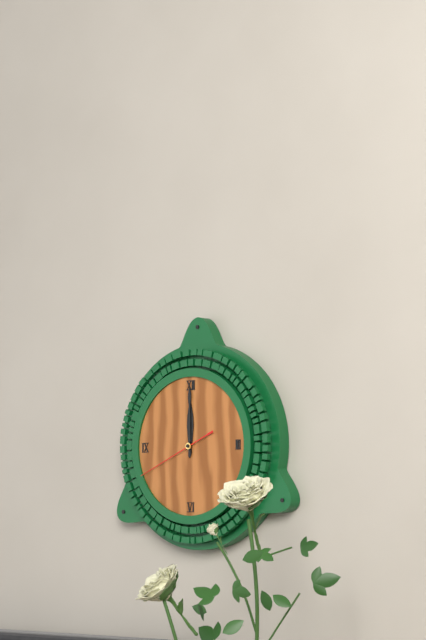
**12:00:41**
